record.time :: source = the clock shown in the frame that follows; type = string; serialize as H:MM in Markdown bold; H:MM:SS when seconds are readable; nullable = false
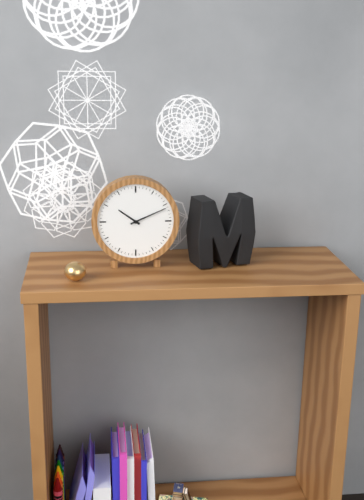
**10:11**
